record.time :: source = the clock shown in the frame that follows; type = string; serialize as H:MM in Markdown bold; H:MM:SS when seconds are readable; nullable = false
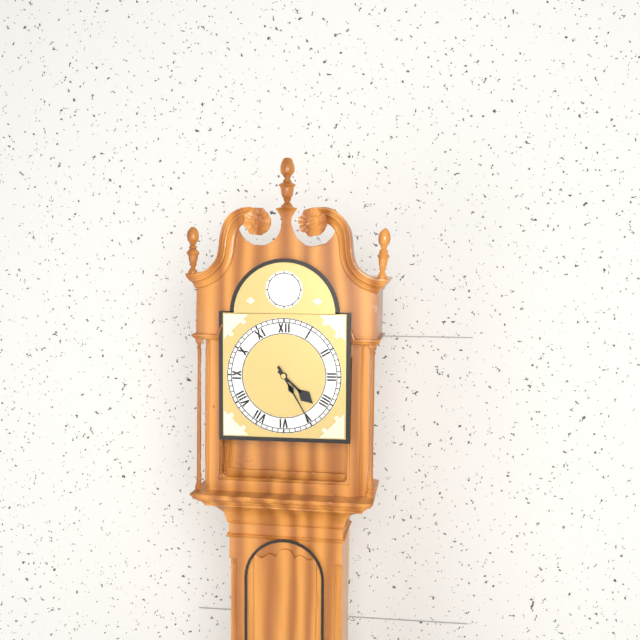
**4:25**
